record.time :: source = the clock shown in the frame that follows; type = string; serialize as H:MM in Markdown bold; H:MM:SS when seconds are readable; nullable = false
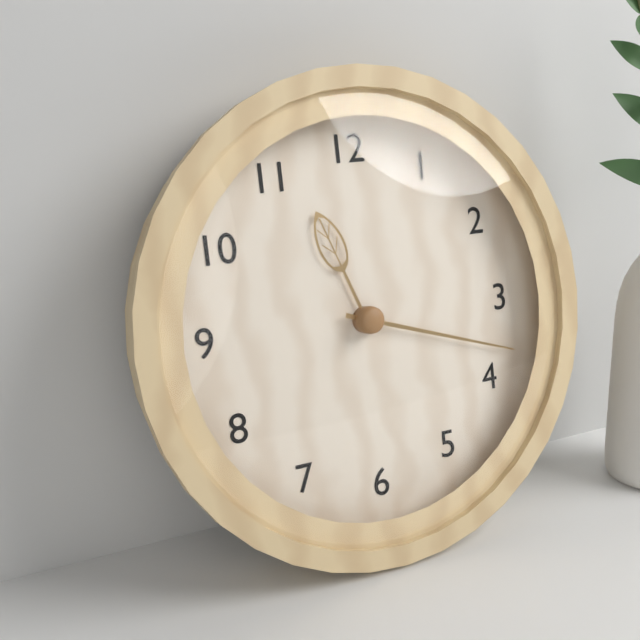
**11:18**
